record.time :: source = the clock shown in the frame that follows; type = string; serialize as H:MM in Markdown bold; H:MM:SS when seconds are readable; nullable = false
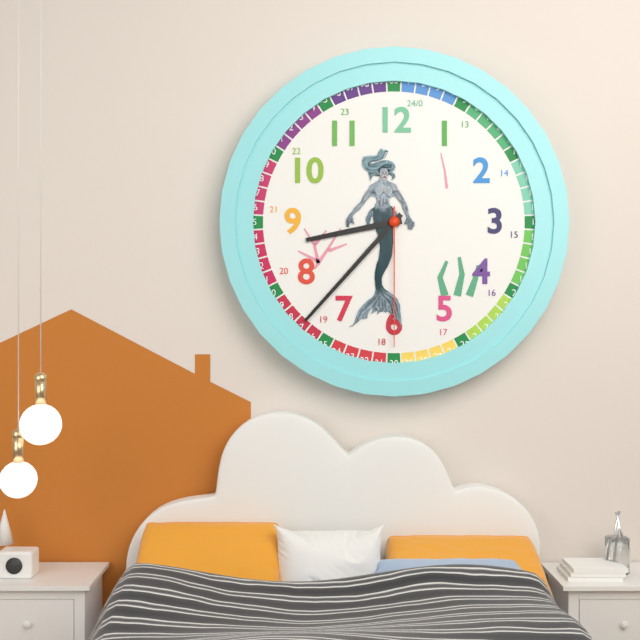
**8:37:30**
